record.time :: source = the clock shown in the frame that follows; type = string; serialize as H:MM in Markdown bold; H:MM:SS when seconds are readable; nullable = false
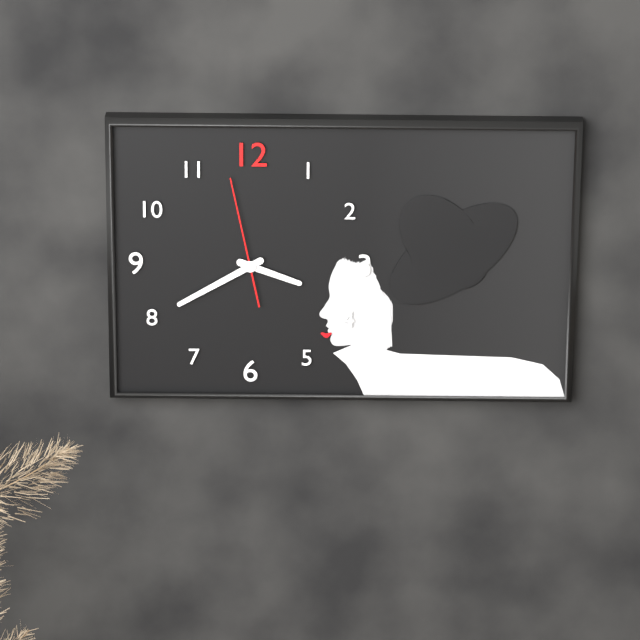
**3:40:58**
